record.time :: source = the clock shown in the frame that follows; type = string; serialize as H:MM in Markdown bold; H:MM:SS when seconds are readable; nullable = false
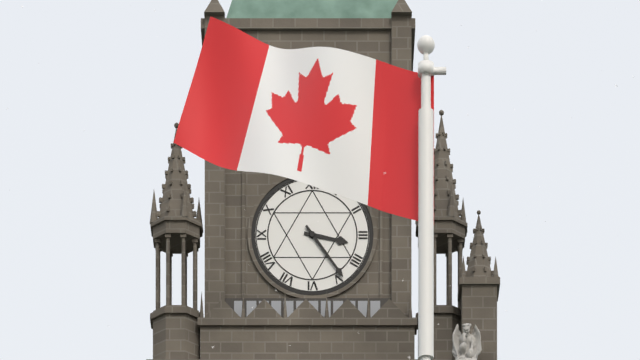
**3:24**
